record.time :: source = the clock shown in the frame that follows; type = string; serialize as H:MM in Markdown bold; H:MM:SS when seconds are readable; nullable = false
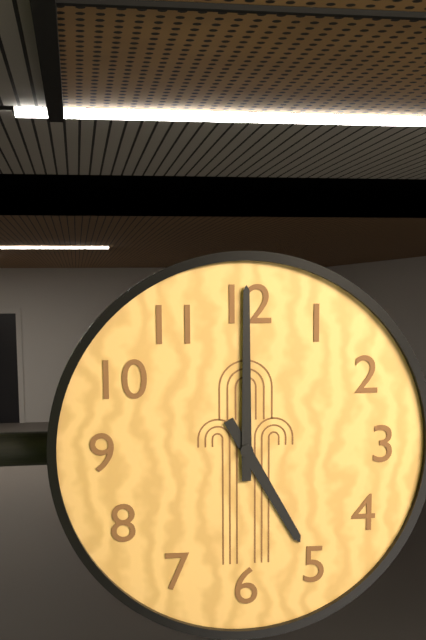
**5:00**
